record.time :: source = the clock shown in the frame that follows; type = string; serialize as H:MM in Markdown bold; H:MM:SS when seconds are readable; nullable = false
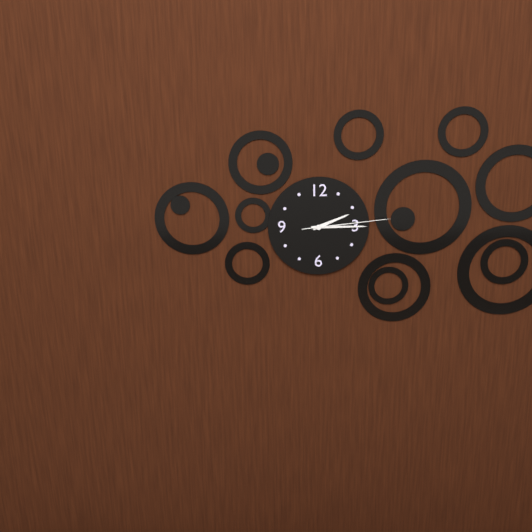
**2:15:14**
